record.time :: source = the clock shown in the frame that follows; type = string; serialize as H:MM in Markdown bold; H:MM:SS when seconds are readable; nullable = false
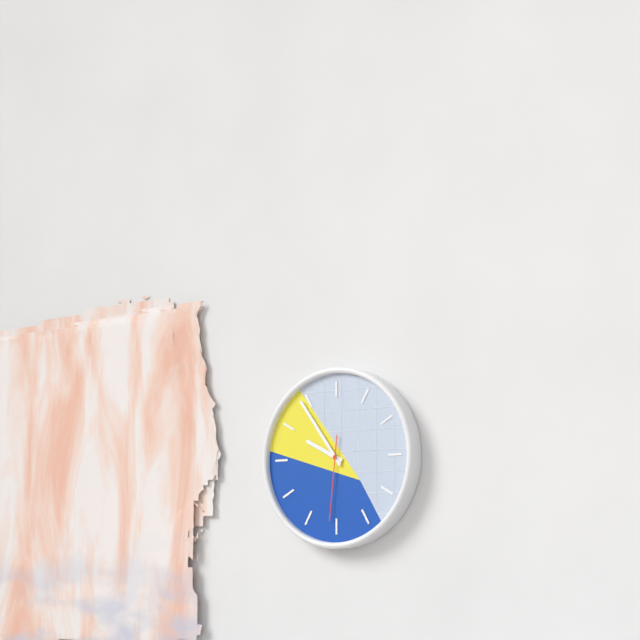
**9:54:31**
